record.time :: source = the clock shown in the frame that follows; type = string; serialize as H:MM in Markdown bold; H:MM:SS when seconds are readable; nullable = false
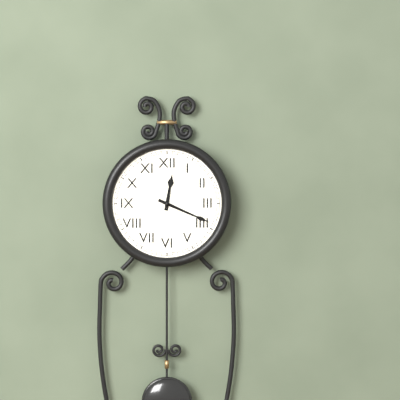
**12:19**
